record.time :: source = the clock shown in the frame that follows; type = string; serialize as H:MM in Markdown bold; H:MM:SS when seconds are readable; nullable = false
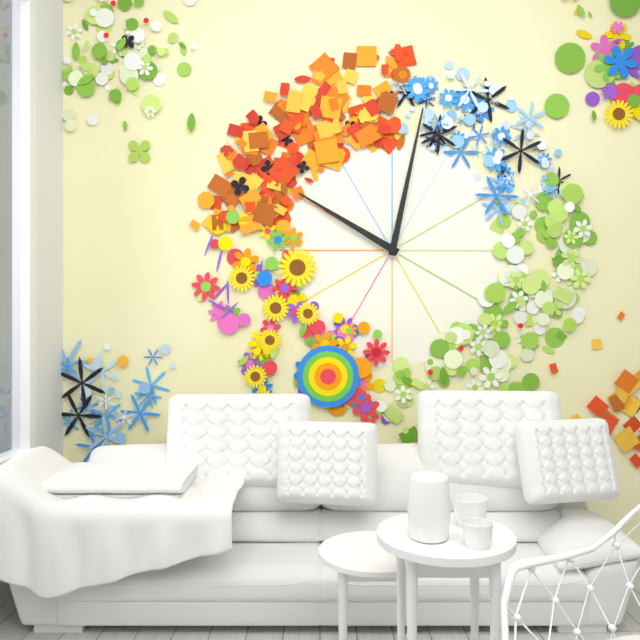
**10:02**
